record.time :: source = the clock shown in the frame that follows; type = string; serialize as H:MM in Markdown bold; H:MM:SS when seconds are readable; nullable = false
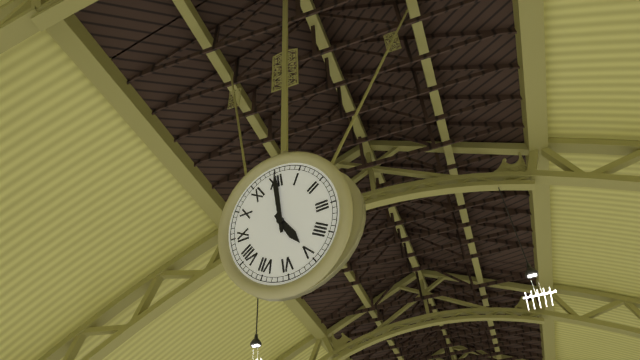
**5:00**
